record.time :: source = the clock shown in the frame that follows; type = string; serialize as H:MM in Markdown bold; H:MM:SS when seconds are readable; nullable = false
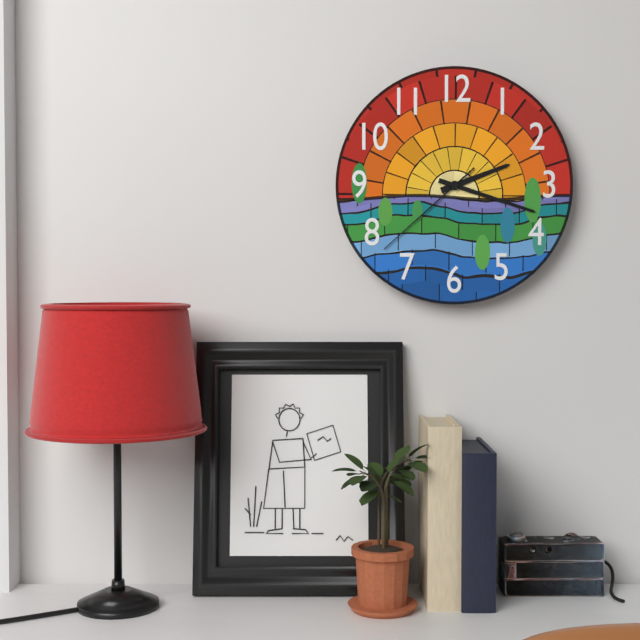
**2:18:38**
